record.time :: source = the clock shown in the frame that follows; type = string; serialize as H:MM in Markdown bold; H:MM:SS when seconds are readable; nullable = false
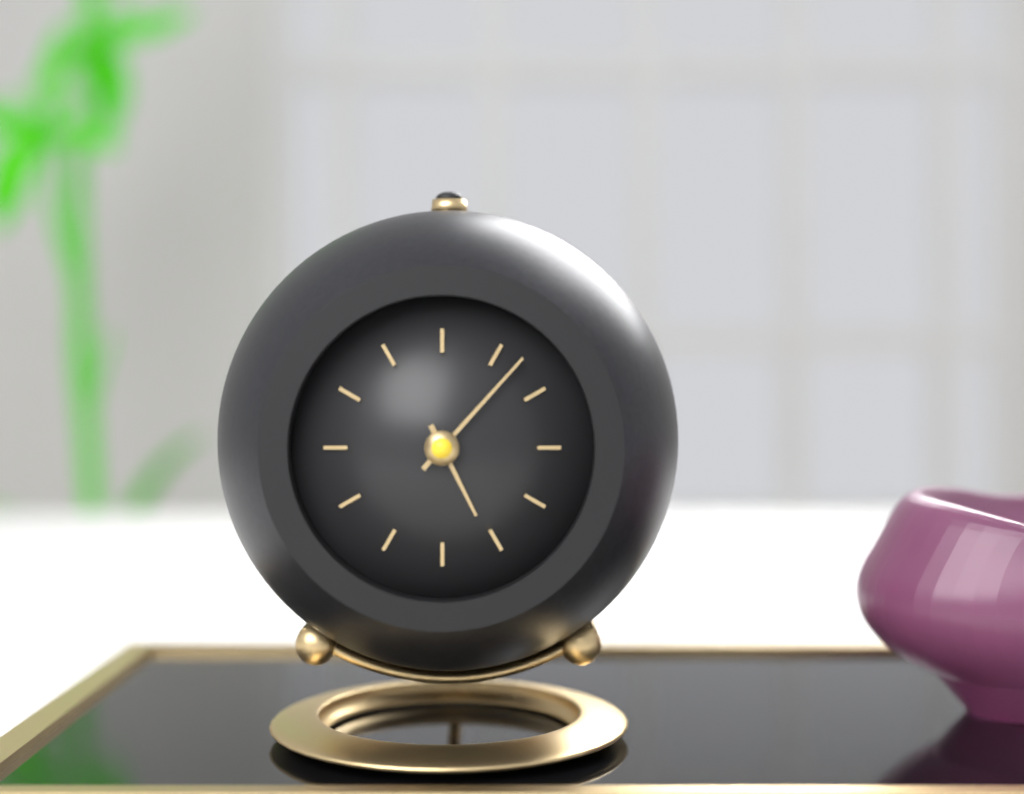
**5:07**
